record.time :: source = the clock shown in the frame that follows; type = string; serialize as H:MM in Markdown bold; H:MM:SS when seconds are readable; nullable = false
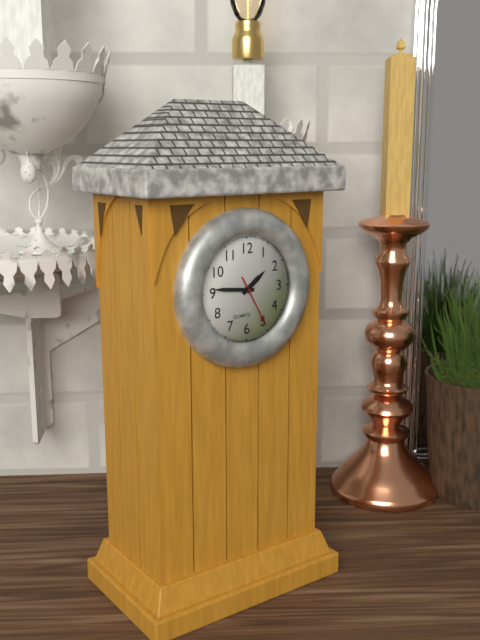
**1:46:25**
